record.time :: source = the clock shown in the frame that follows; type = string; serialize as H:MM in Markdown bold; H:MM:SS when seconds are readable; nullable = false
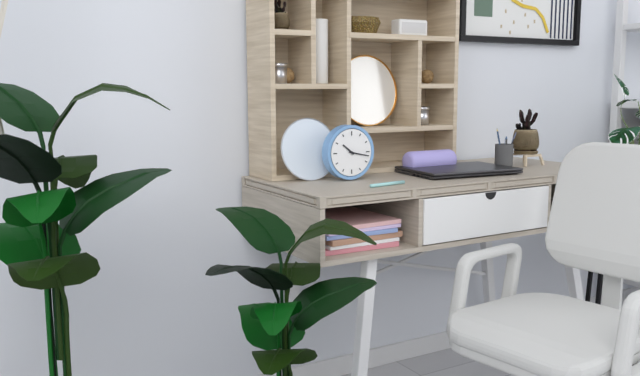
**10:17**
